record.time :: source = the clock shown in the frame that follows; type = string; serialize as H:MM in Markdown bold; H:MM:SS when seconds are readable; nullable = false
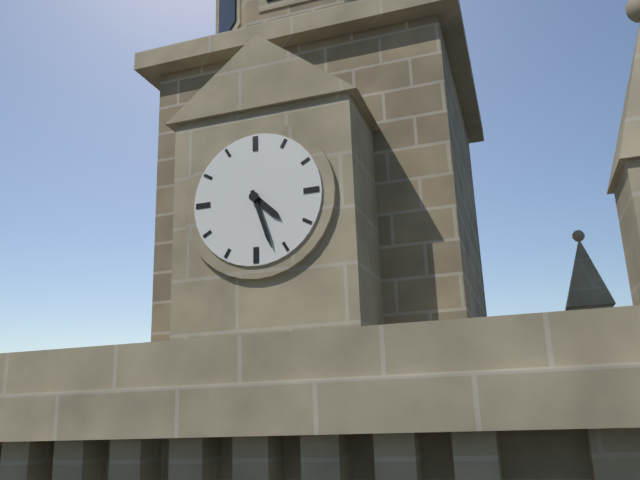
**4:27**
